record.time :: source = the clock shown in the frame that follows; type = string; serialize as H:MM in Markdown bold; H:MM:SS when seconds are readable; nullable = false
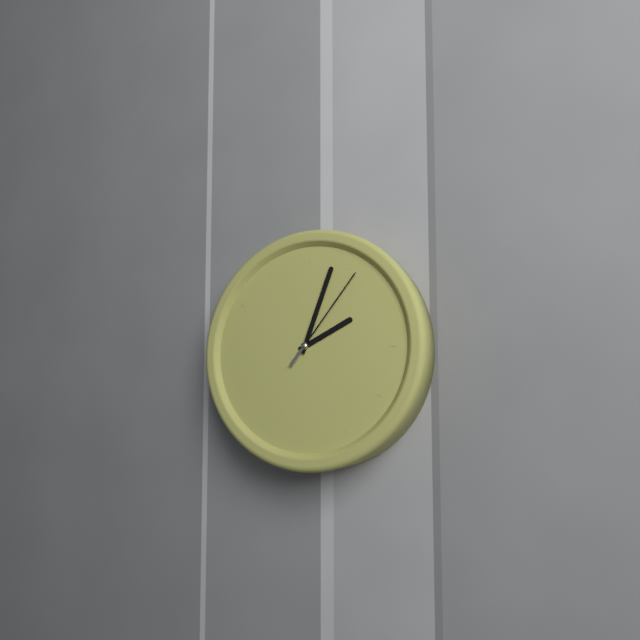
**2:03:06**
